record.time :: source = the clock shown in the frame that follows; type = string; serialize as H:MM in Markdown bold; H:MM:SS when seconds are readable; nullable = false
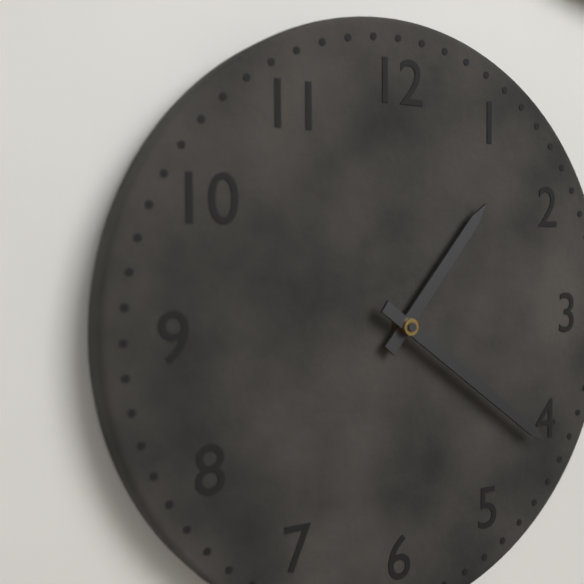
**1:21**
